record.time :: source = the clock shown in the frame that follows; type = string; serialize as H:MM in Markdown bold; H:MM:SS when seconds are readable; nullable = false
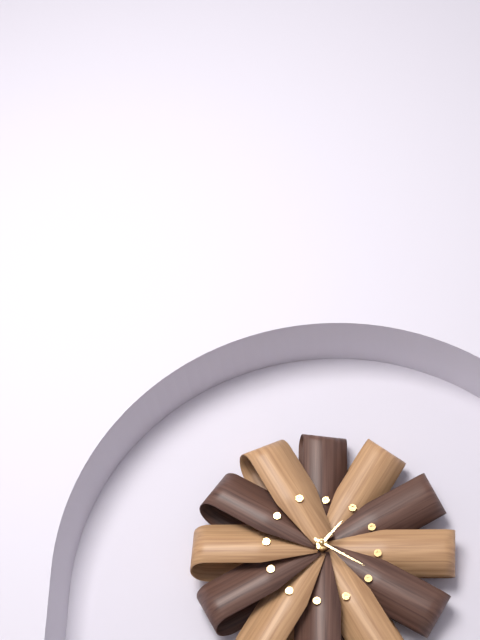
**1:20**
